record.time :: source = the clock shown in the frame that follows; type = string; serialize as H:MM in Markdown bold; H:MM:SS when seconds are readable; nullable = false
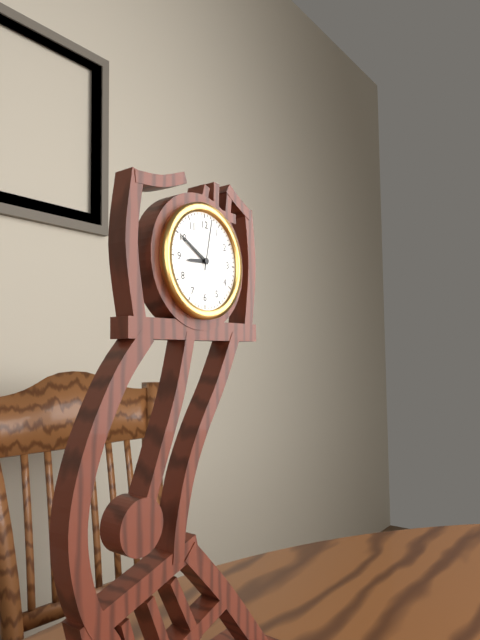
**8:50:02**
